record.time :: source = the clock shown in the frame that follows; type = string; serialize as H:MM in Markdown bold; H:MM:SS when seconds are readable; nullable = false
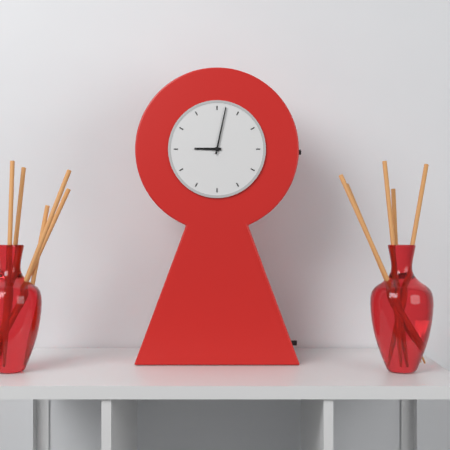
**9:02**
